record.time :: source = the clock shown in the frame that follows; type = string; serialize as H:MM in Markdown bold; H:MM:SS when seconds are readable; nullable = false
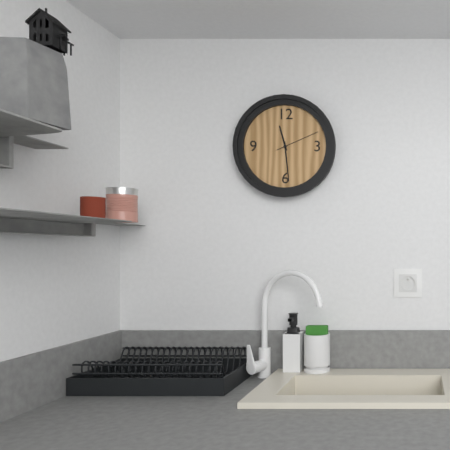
**11:29**
